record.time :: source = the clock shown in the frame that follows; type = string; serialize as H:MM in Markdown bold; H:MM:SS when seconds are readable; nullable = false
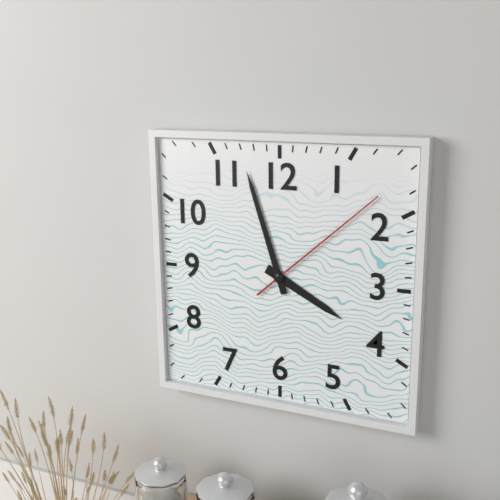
**3:57:08**
